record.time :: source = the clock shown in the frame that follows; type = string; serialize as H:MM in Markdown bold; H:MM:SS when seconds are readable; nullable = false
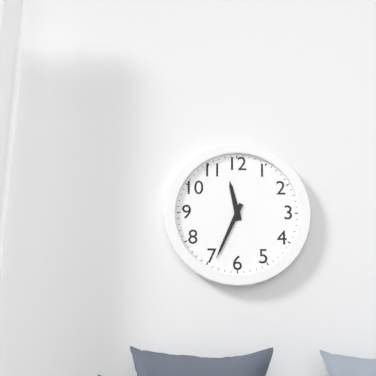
**11:34**
